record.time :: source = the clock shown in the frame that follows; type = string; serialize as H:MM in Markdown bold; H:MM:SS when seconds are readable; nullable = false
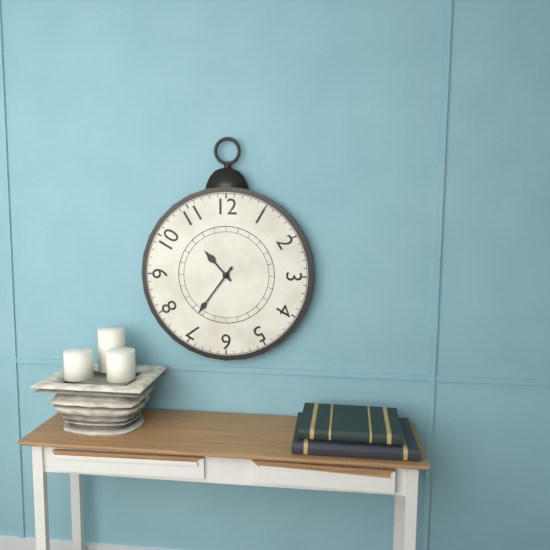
**10:36**
